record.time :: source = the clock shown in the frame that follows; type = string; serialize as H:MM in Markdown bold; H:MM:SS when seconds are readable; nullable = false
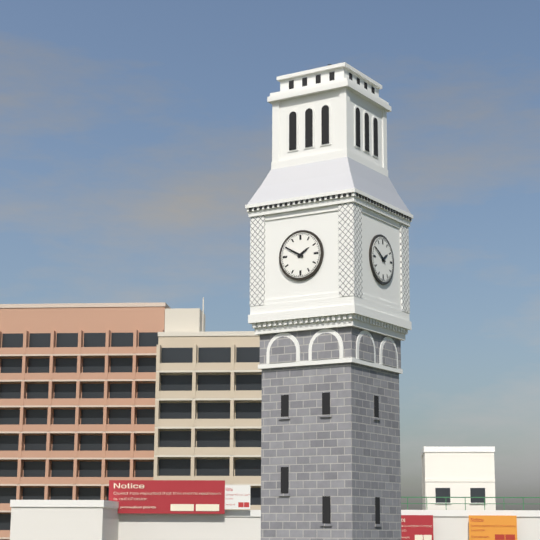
**1:50**
